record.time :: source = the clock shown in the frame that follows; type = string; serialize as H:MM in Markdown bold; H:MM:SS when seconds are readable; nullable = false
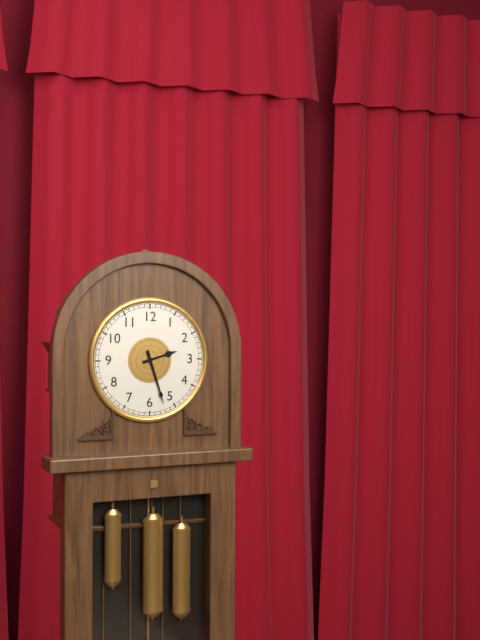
**2:27**
